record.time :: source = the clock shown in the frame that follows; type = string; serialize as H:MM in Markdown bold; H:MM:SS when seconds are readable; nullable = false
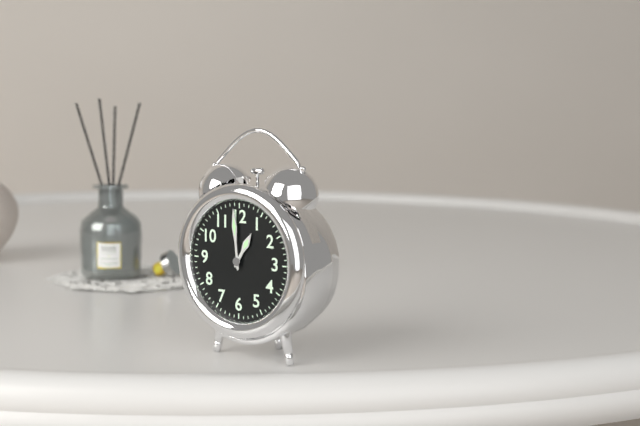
**12:59**
